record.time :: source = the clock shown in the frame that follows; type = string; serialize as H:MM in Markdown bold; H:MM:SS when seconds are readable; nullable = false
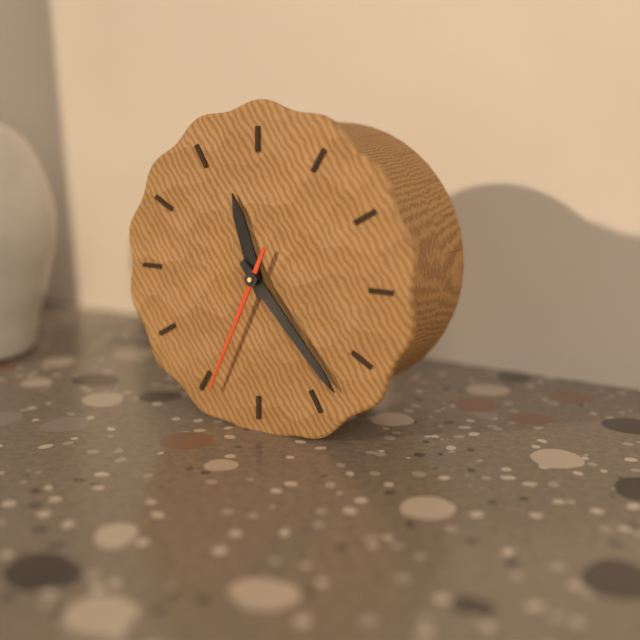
**11:23:34**
